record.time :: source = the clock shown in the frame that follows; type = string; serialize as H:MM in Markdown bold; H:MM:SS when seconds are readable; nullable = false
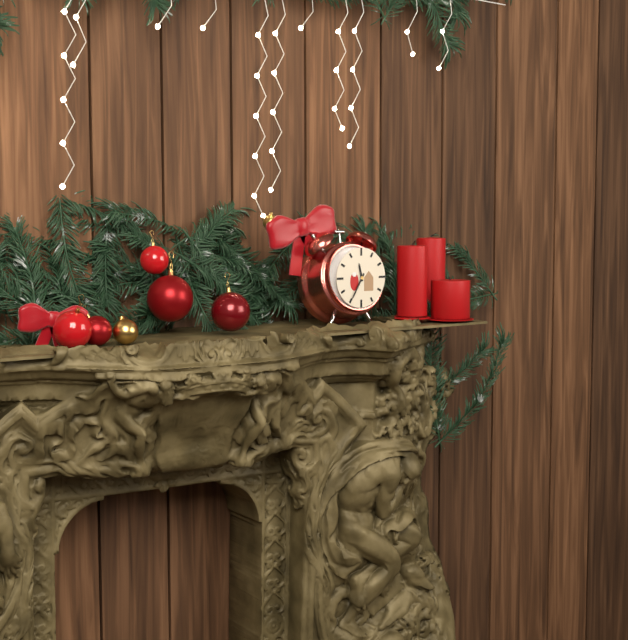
**11:35**
